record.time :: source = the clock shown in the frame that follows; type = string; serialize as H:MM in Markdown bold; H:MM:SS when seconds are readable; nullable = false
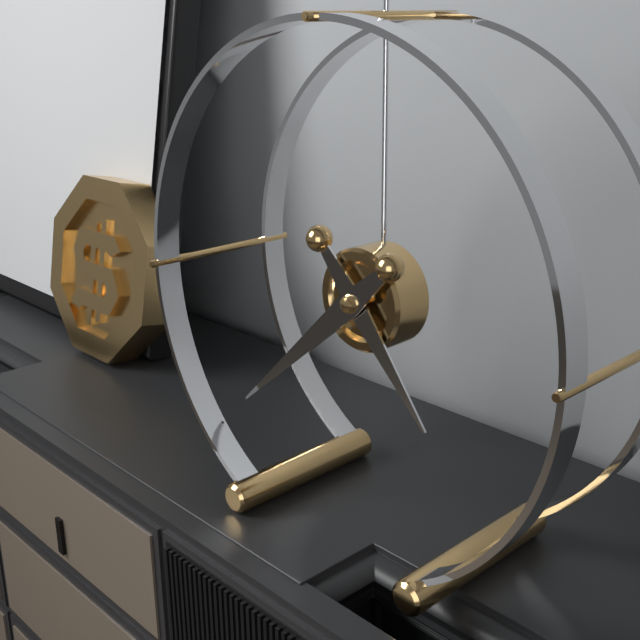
**4:38**
